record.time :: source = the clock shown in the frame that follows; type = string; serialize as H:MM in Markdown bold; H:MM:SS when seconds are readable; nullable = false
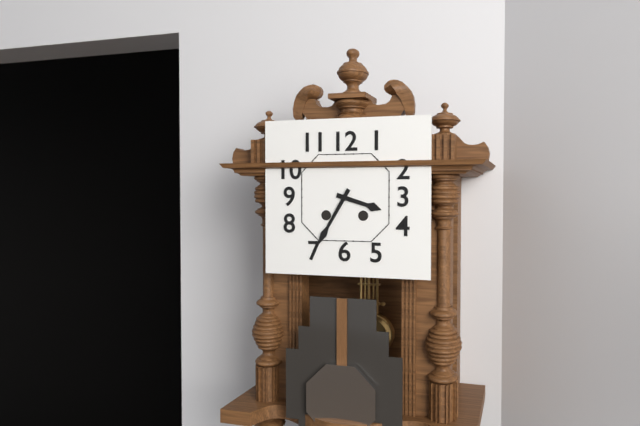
**3:35**
